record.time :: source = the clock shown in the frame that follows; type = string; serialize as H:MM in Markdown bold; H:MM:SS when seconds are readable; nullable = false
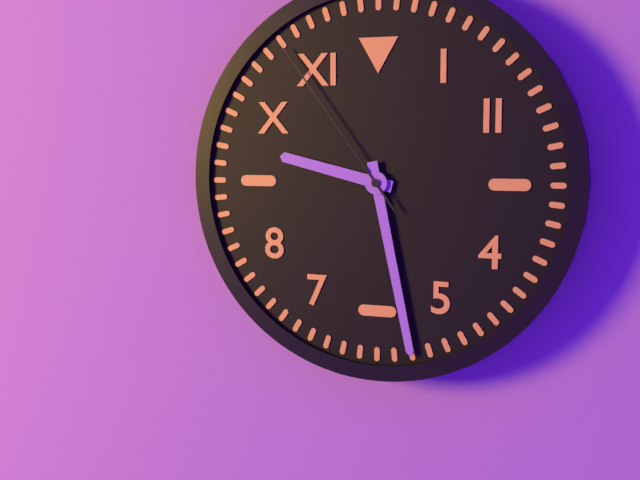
**9:28:54**
